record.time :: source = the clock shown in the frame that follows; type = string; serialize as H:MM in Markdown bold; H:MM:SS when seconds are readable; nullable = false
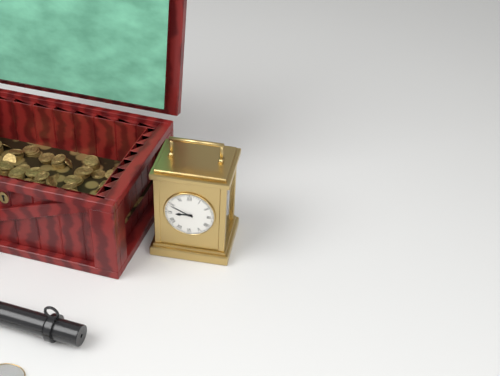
**8:49**
